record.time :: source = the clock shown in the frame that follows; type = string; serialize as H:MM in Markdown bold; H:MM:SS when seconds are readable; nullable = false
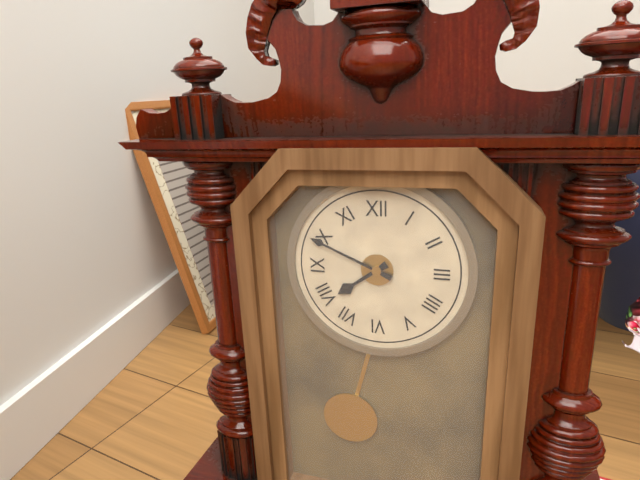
**7:49**
